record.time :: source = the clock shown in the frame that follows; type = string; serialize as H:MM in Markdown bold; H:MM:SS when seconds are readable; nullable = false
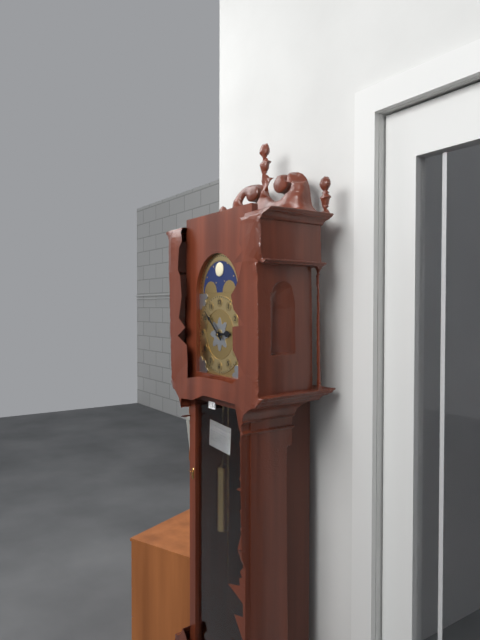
**2:52**
